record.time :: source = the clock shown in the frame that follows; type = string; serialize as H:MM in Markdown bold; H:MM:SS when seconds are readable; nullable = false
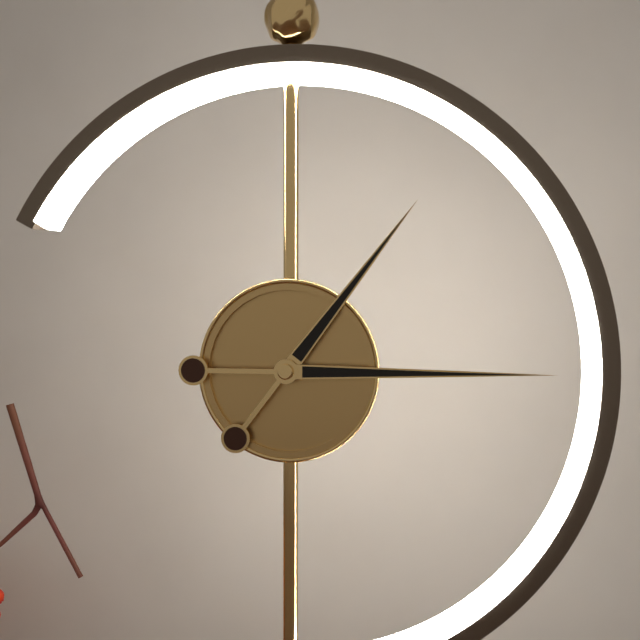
**1:15**
